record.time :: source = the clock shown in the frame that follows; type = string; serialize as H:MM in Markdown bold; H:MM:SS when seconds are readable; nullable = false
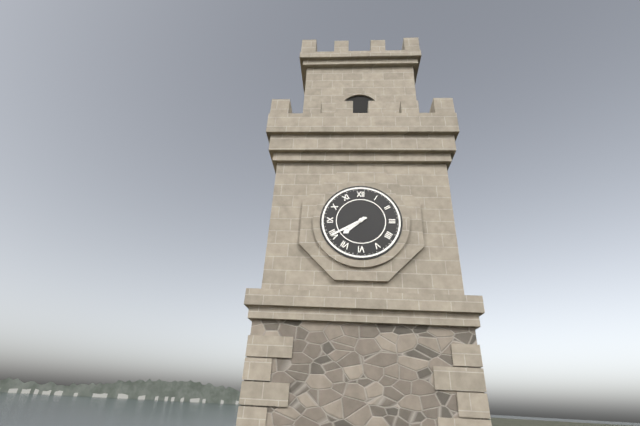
**7:40**
